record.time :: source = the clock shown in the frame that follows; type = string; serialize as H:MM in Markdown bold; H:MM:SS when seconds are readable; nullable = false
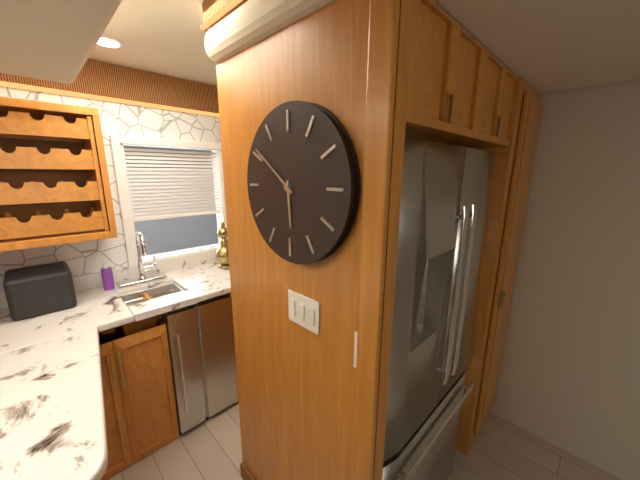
**5:51**
